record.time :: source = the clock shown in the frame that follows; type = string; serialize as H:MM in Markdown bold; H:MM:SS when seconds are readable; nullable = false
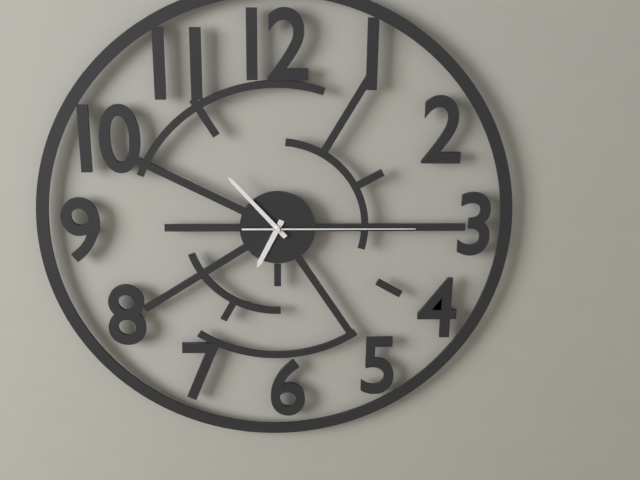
**6:53:15**
